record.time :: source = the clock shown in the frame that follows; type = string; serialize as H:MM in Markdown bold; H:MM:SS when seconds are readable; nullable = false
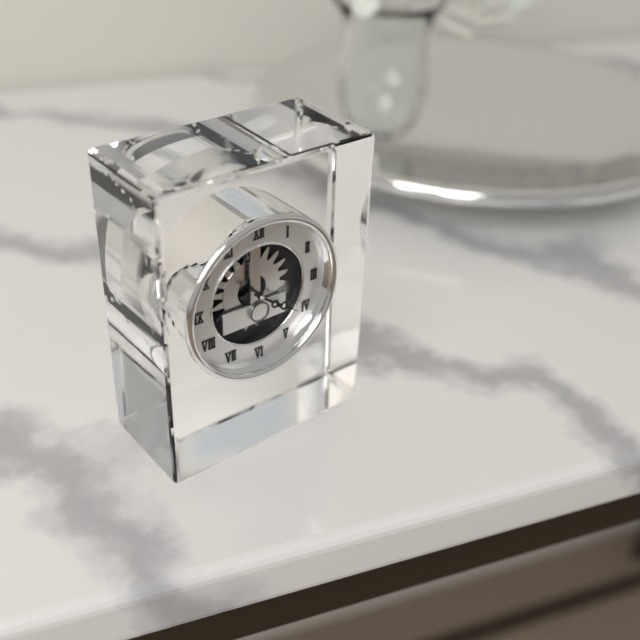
**4:21**
